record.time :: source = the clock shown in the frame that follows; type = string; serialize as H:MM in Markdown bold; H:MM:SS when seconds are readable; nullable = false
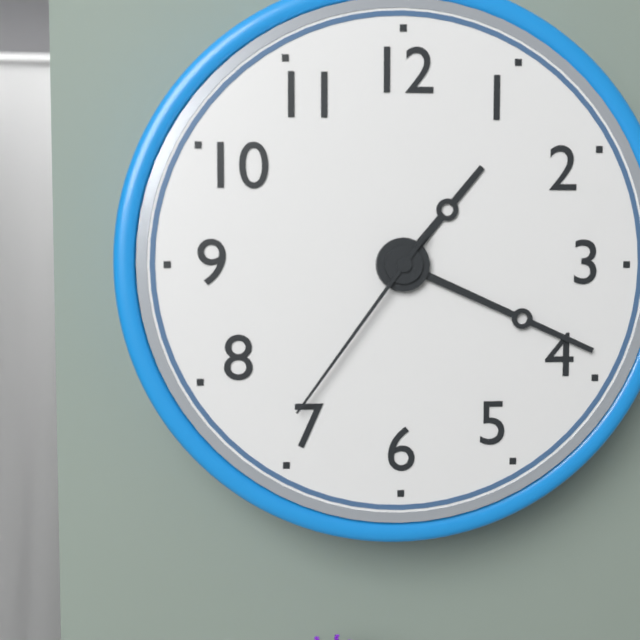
**1:19:36**
